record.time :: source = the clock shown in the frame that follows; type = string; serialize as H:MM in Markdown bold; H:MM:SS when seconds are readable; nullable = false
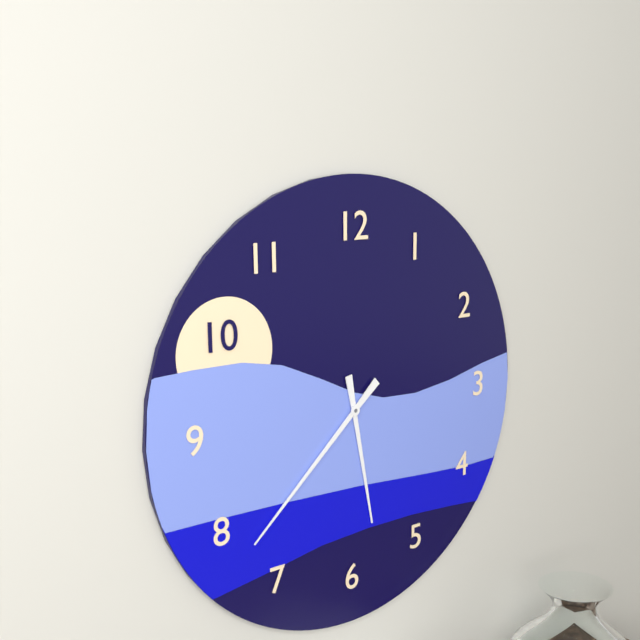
**5:38**
